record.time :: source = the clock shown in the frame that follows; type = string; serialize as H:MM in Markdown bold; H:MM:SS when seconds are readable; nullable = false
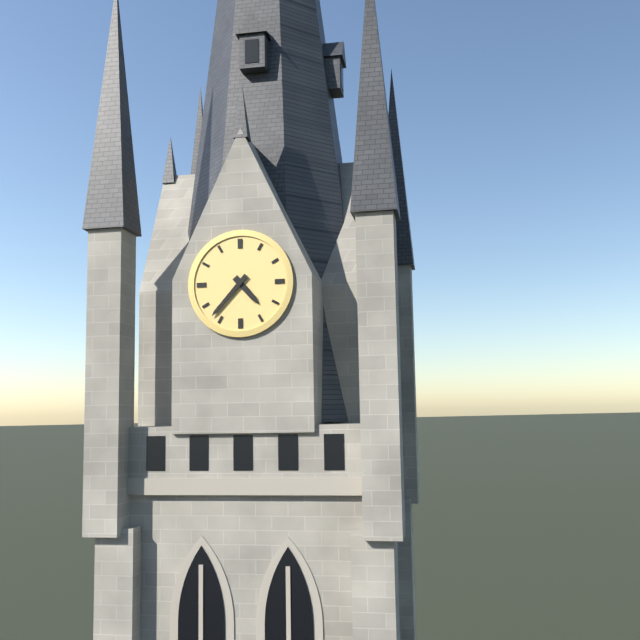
**4:37**
